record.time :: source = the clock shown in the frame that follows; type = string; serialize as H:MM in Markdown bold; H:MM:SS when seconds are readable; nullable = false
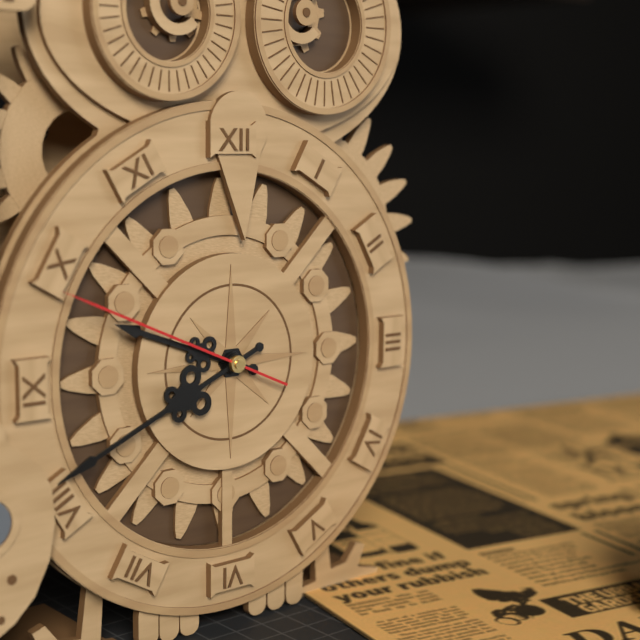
**9:41:49**
